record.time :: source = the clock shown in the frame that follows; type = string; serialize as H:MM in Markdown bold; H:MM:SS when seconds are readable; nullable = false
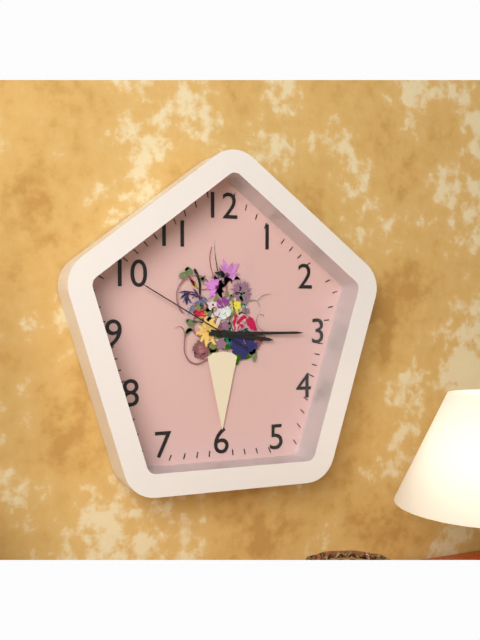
**3:15:50**
